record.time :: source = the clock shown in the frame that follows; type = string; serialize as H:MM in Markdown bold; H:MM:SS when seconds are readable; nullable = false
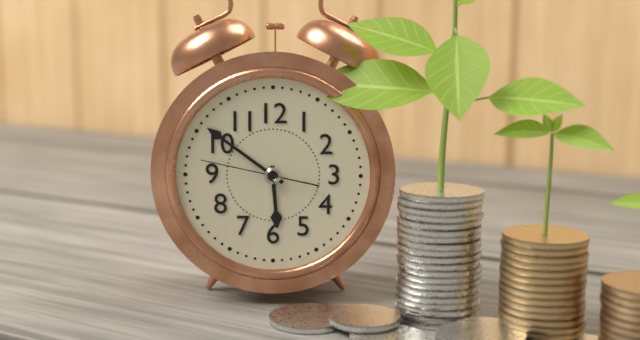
**5:51:47**
